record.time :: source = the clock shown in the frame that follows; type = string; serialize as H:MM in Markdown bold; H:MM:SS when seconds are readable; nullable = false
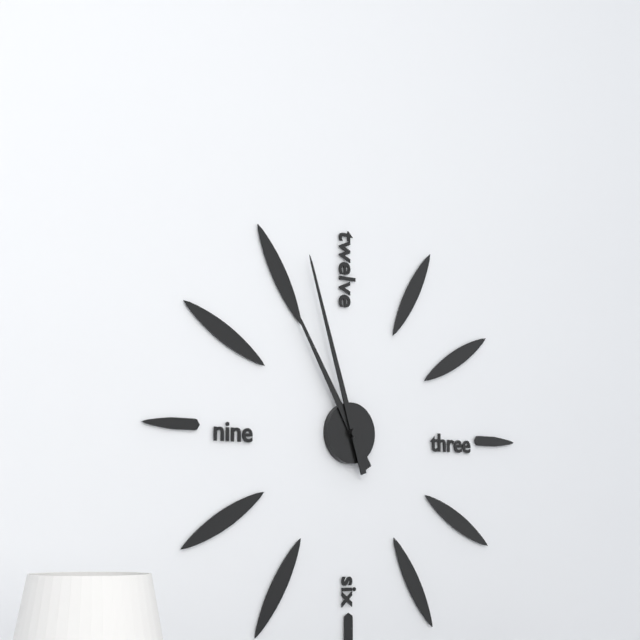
**10:57**
